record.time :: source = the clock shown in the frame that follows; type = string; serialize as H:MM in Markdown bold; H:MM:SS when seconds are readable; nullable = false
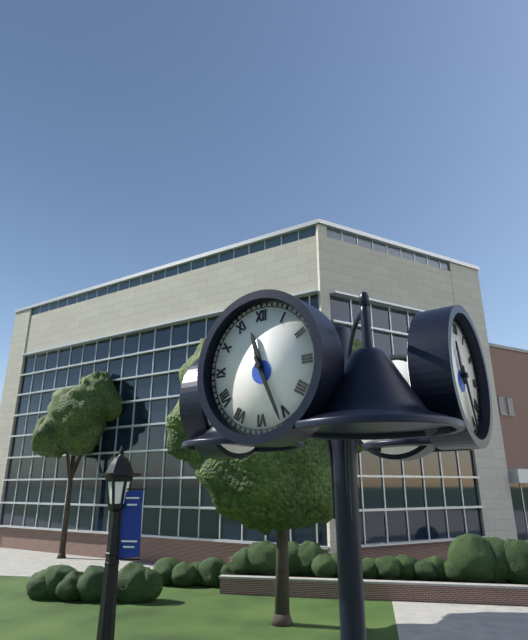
**11:26**
